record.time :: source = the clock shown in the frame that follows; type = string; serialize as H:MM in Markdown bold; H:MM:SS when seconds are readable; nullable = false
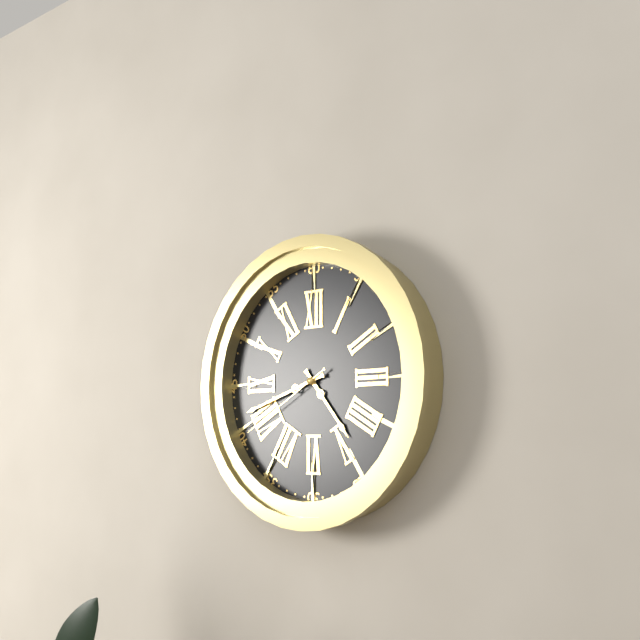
**4:42:40**
